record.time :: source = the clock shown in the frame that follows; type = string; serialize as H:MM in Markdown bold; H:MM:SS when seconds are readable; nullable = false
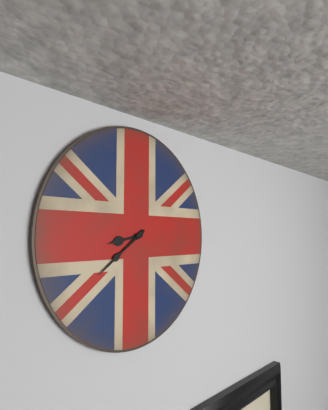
**8:39**
